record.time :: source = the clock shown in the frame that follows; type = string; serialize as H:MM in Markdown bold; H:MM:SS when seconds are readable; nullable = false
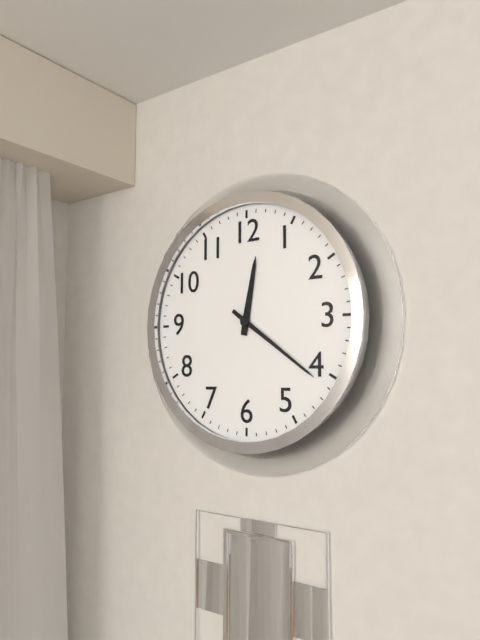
**12:21**
